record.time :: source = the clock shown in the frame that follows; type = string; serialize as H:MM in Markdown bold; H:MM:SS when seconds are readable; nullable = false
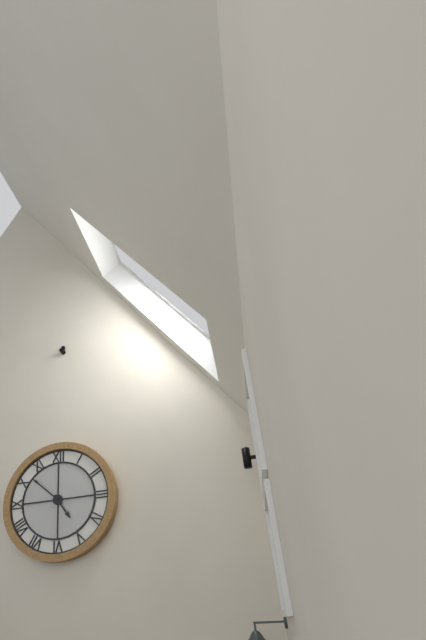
**4:52**
